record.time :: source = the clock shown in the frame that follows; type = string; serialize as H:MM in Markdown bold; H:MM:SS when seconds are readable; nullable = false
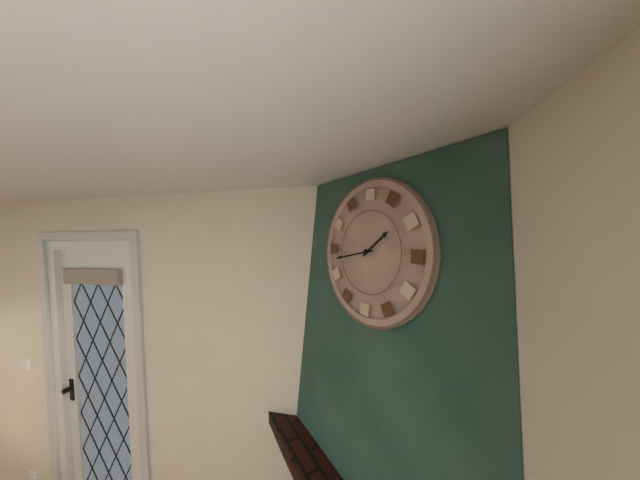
**1:43**
